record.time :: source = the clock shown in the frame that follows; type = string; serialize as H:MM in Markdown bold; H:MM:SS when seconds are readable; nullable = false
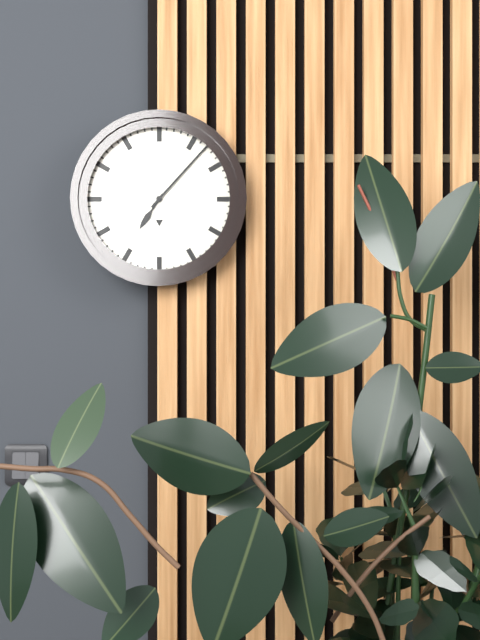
**7:07**
